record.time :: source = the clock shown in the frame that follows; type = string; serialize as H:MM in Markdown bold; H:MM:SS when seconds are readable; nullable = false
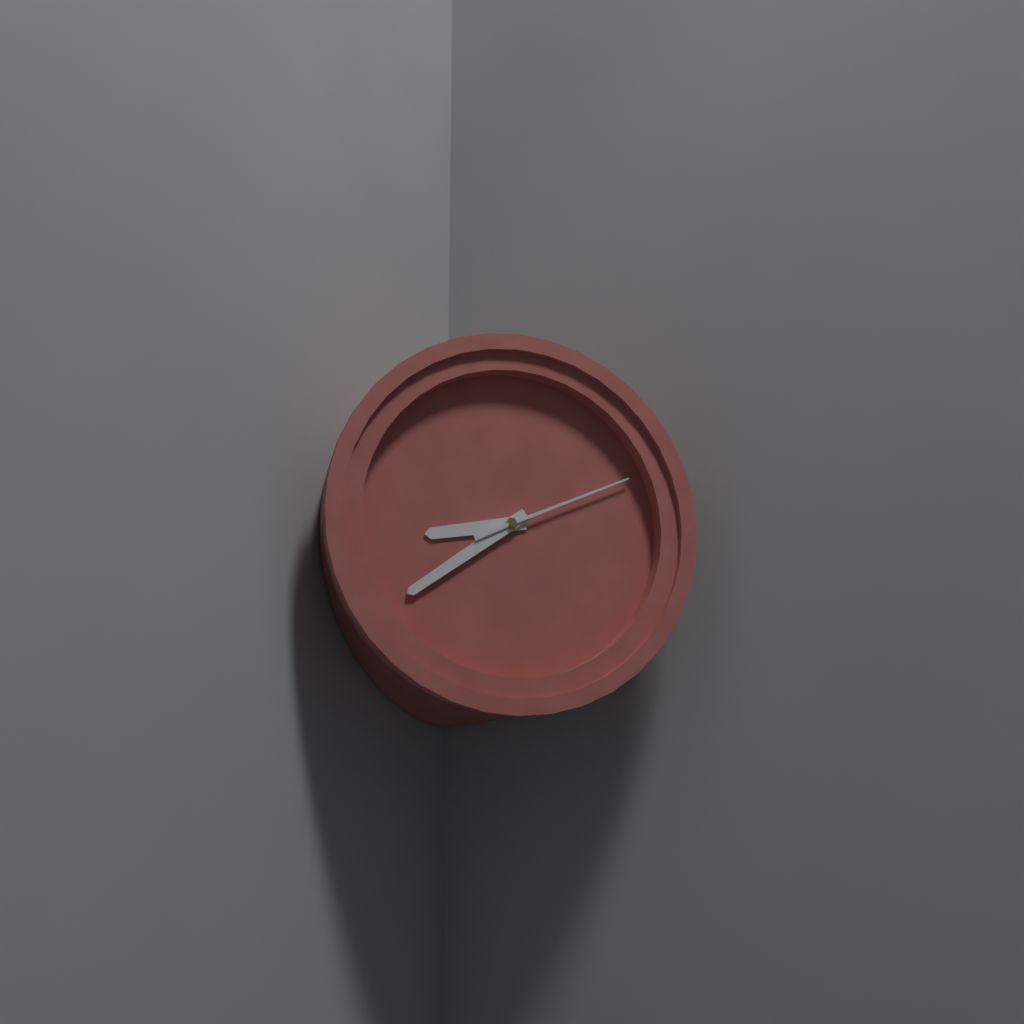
**8:39:11**
